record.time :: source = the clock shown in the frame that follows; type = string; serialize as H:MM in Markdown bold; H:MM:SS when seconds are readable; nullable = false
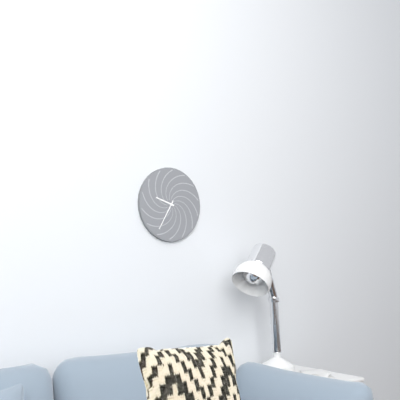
**9:35**
